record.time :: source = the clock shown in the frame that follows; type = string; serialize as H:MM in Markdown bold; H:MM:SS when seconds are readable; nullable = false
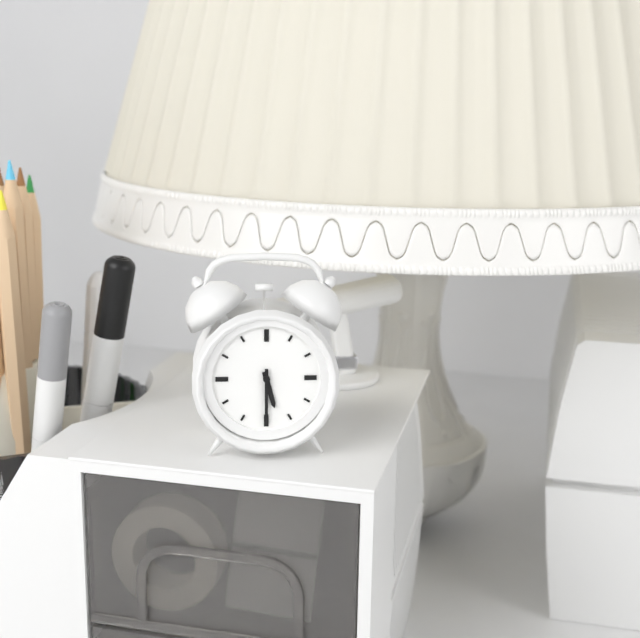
**5:30**
